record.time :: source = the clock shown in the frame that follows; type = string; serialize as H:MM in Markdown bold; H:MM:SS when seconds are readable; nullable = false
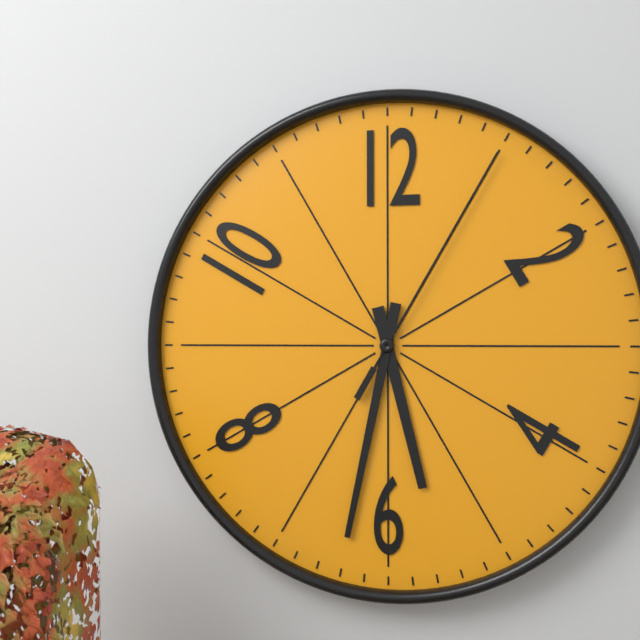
**5:32:05**
